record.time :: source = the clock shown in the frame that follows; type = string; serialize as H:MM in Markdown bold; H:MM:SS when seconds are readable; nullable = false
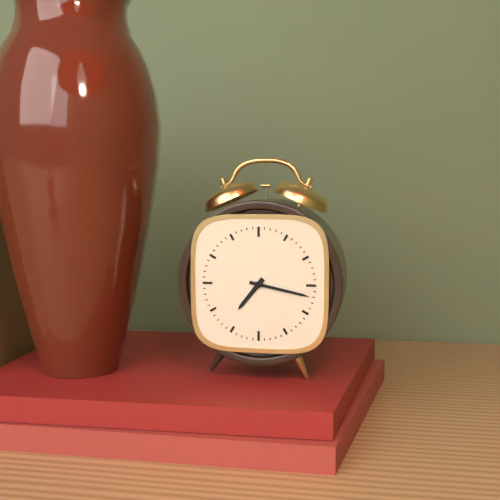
**7:17**
